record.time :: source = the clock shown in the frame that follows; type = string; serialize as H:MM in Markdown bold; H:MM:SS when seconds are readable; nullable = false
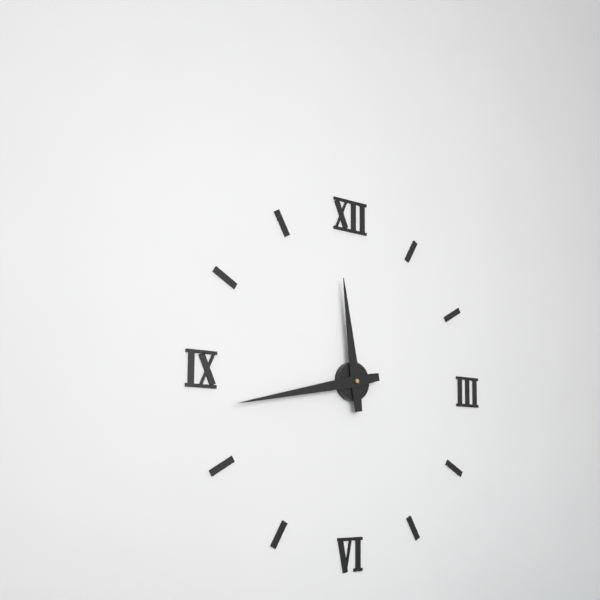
**11:43**
